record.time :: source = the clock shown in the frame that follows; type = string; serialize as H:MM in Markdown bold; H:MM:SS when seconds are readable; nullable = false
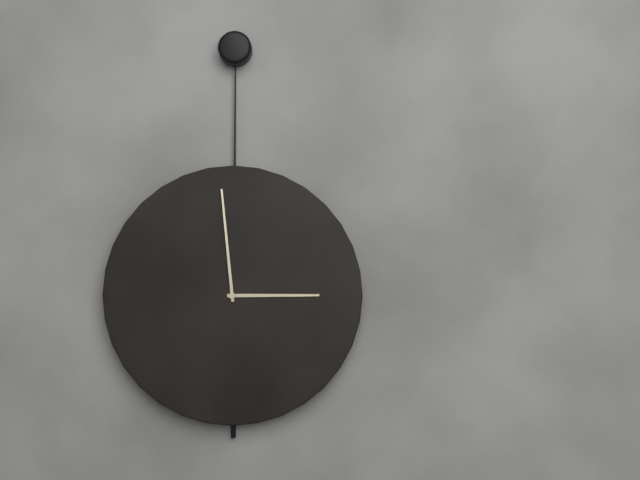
**2:59**
